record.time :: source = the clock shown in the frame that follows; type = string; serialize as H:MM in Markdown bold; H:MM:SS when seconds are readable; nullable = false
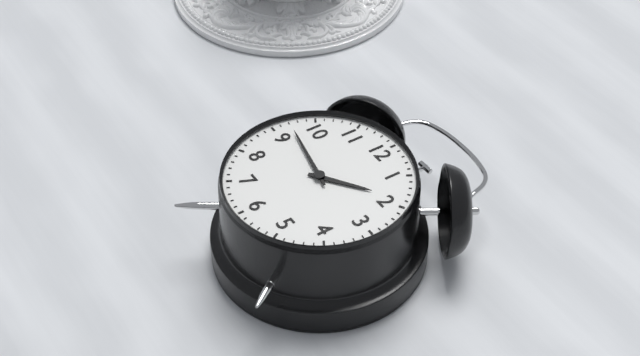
**1:47**
